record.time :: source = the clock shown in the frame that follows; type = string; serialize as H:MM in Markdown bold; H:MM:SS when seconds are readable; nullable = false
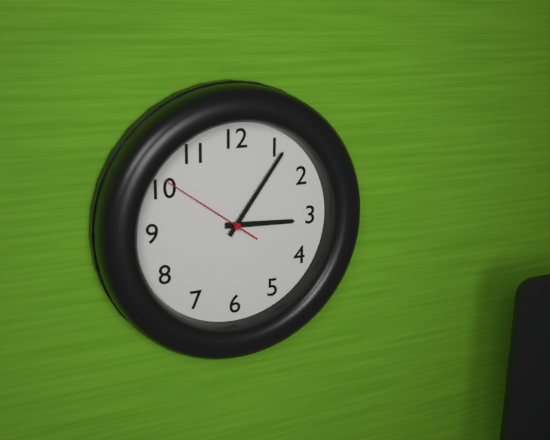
**3:06:51**
